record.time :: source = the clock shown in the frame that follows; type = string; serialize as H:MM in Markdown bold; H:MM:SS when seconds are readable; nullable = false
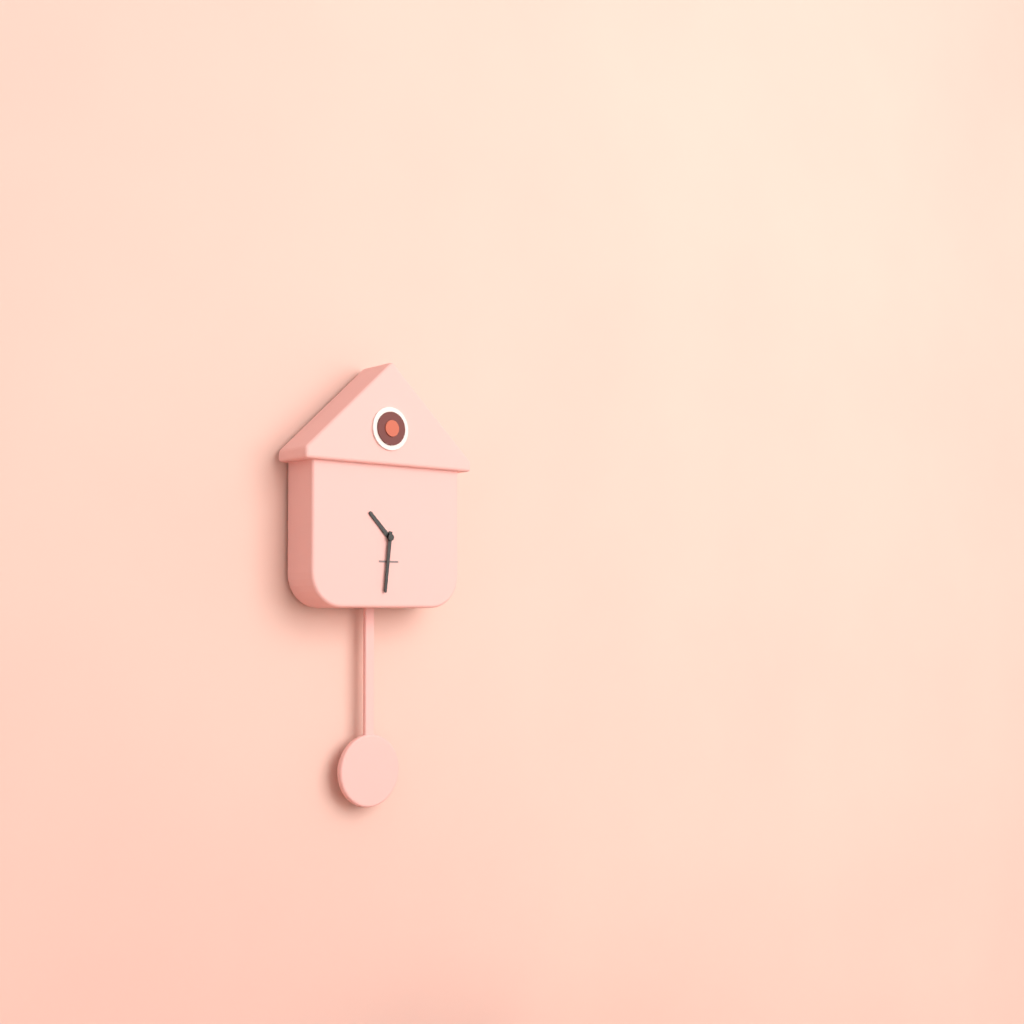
**10:31**
